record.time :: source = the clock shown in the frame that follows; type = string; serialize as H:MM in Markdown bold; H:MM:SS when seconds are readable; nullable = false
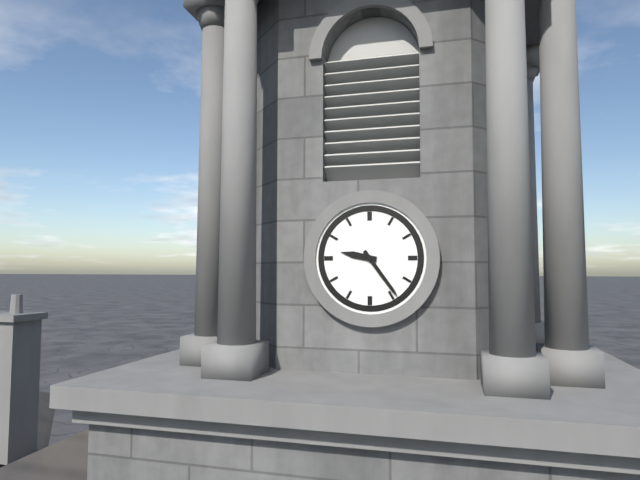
**9:24**
